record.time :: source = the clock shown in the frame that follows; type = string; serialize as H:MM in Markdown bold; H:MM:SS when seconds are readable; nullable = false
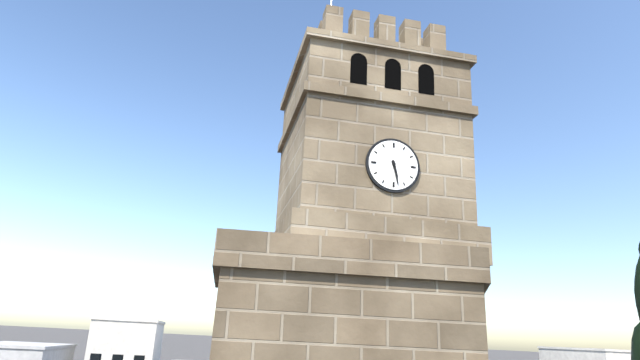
**5:28**
